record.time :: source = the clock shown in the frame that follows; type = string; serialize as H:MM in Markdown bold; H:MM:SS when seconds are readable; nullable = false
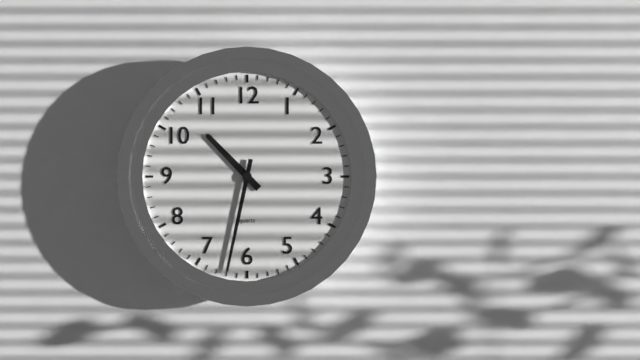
**10:32**
